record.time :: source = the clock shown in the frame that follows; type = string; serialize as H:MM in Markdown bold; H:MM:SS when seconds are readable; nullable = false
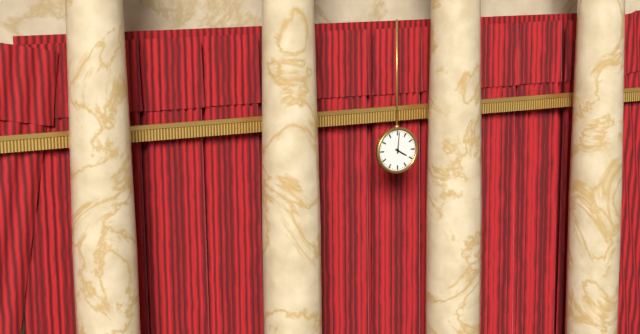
**4:01**
